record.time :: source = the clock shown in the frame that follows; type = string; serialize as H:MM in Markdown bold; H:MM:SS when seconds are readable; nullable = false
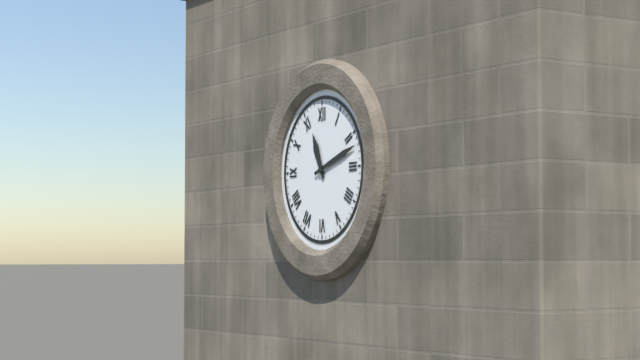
**11:12**
